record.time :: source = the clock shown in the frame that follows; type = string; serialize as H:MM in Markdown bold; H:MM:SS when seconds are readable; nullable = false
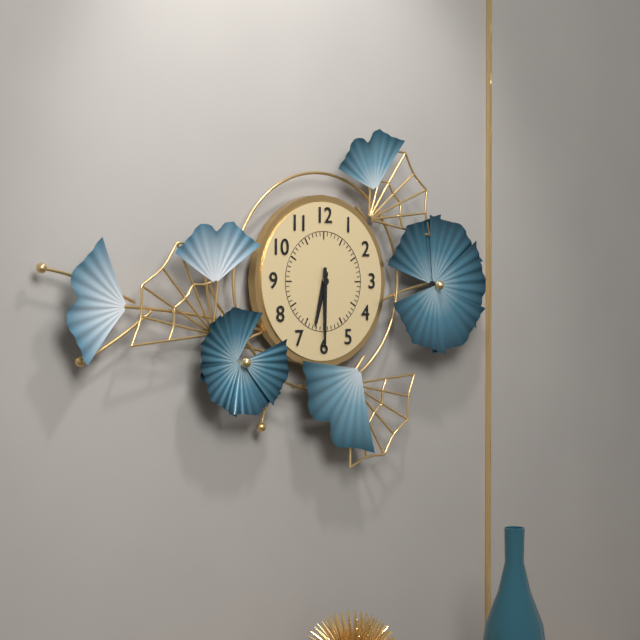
**6:30**
